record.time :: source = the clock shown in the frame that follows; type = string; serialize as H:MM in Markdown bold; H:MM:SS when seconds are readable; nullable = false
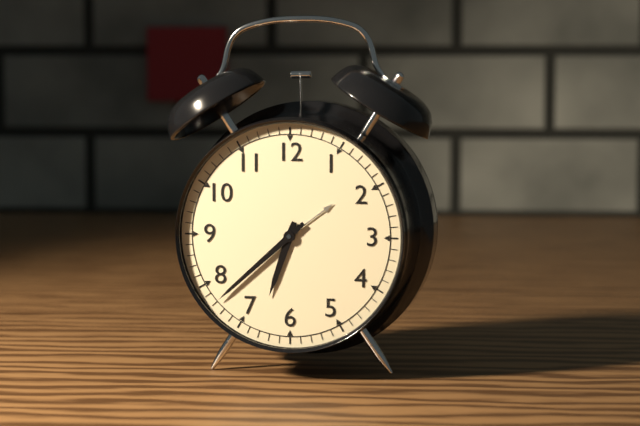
**6:38**
